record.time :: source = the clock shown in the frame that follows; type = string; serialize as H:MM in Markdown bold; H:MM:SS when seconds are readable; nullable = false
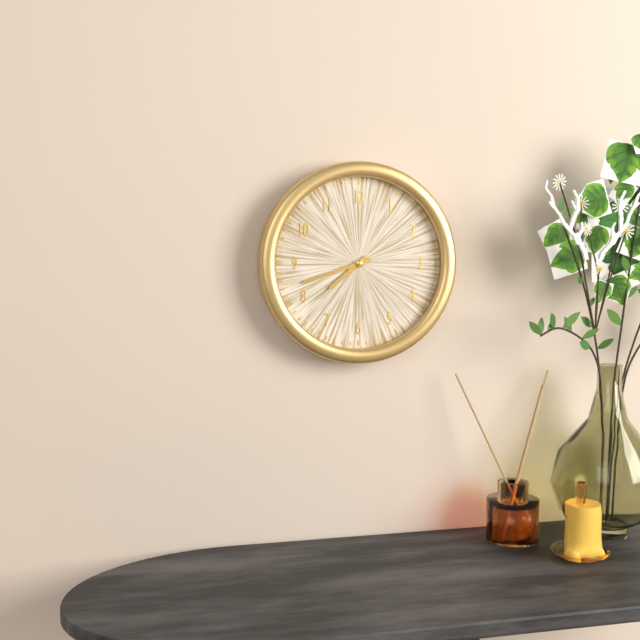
**7:42**
